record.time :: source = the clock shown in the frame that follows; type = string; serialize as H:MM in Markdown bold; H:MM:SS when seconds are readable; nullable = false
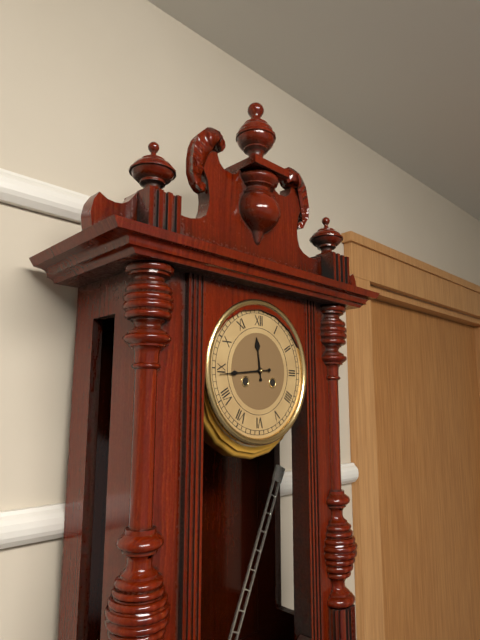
**11:44**
